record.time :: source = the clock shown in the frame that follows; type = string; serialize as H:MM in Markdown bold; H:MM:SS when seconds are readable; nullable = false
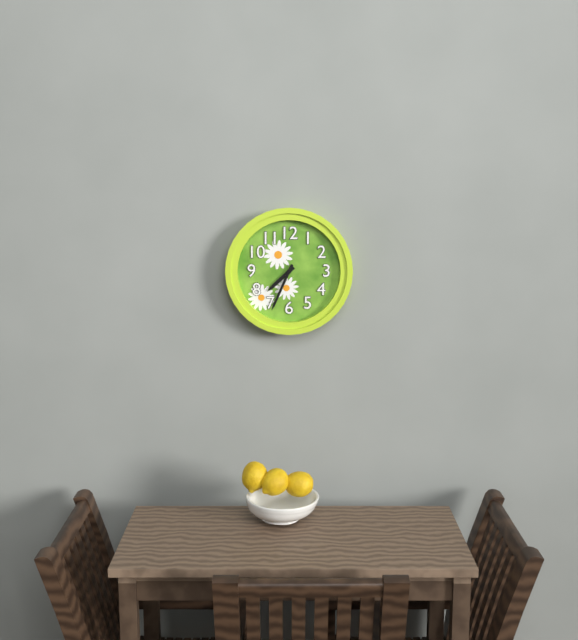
**7:34**
